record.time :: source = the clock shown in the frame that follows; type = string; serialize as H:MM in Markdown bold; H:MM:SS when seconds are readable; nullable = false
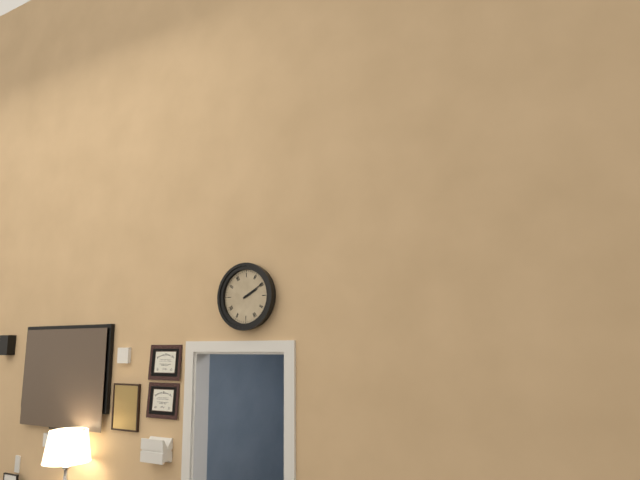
**2:10**
